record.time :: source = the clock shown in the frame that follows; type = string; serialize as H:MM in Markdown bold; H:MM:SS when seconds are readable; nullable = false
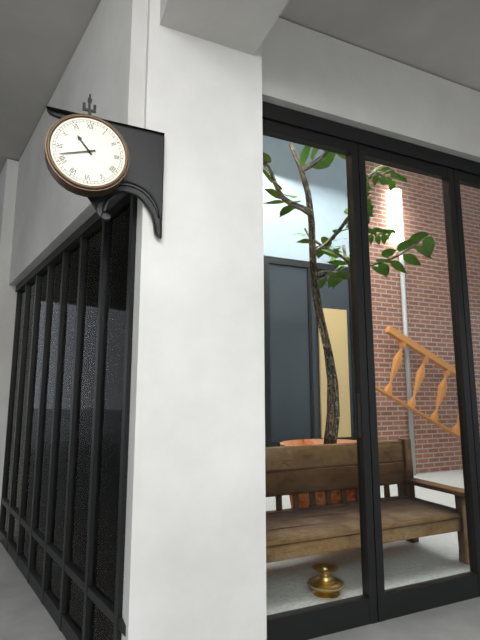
**10:42**
